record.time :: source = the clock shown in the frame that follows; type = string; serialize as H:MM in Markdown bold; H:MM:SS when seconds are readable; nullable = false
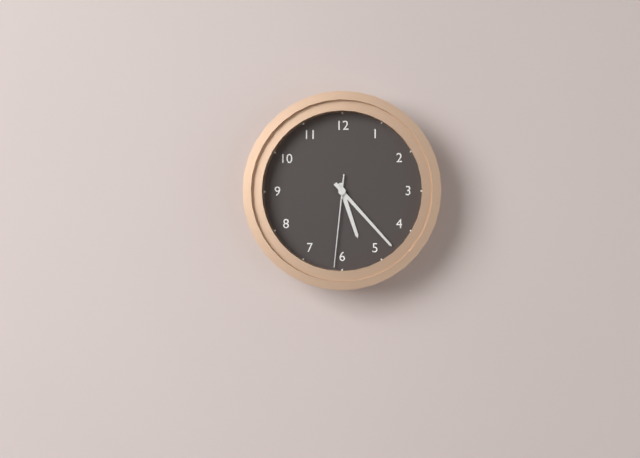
**5:23:31**
